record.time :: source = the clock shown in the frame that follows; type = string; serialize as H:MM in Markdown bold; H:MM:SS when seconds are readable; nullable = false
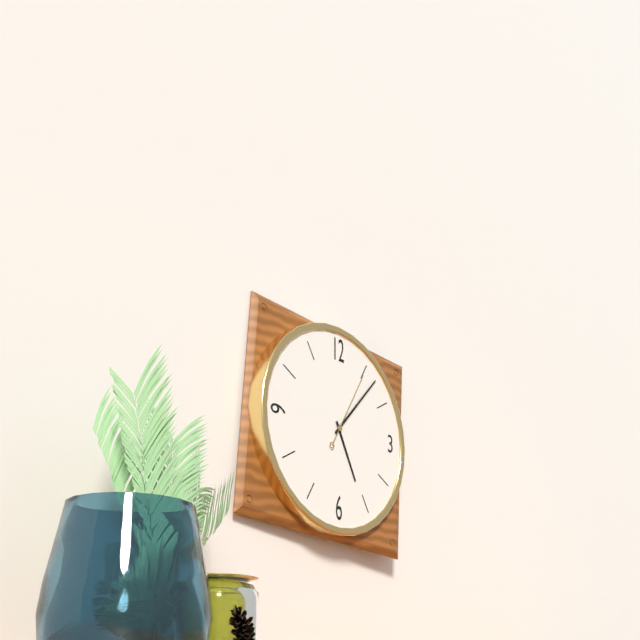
**5:07:05**
